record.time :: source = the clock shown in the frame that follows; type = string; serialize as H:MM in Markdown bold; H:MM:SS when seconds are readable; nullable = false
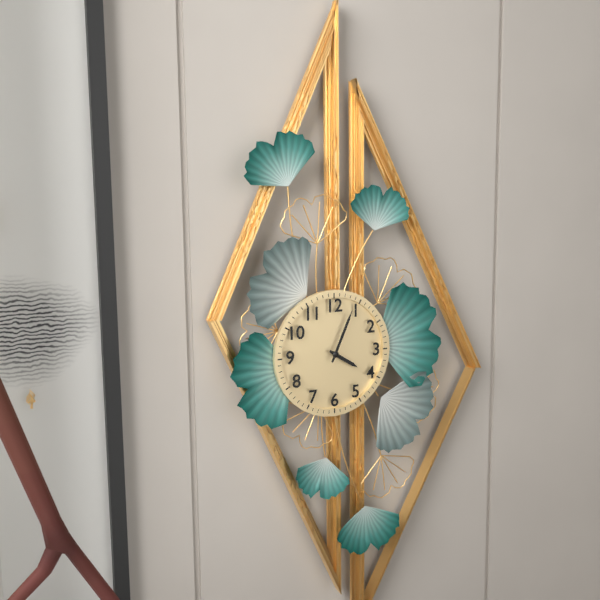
**4:04**
